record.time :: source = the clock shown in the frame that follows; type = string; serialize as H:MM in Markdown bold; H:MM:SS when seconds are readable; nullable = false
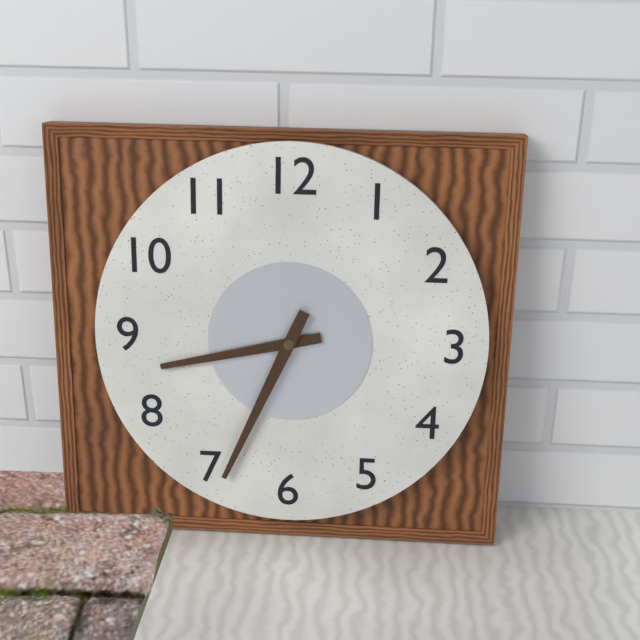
**8:34**
